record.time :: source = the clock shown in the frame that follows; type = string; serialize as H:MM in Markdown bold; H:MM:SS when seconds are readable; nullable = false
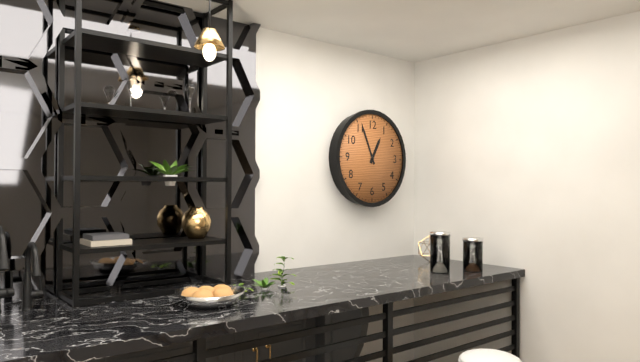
**12:56**
